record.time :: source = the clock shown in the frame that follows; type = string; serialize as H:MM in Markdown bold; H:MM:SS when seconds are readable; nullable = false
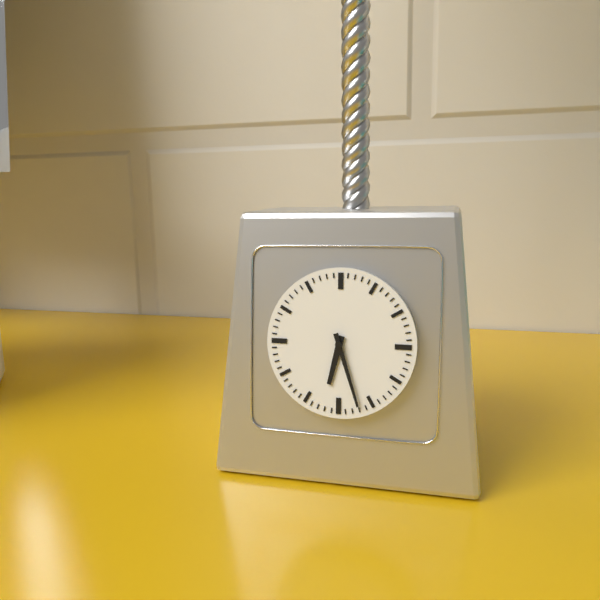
**6:27**
